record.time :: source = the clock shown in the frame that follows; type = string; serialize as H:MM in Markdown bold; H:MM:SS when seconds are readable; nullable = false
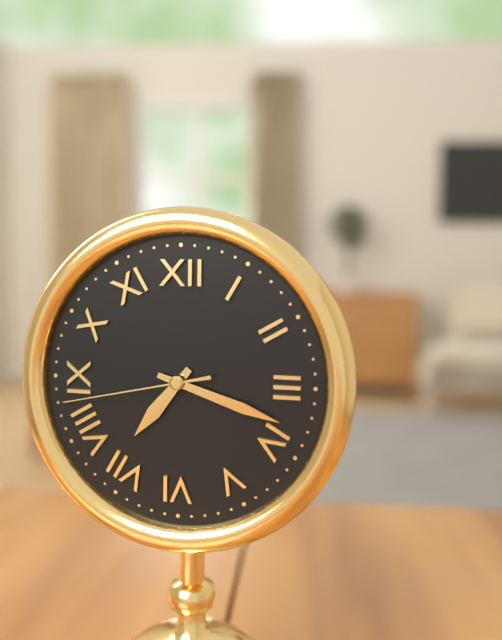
**7:18:43**
